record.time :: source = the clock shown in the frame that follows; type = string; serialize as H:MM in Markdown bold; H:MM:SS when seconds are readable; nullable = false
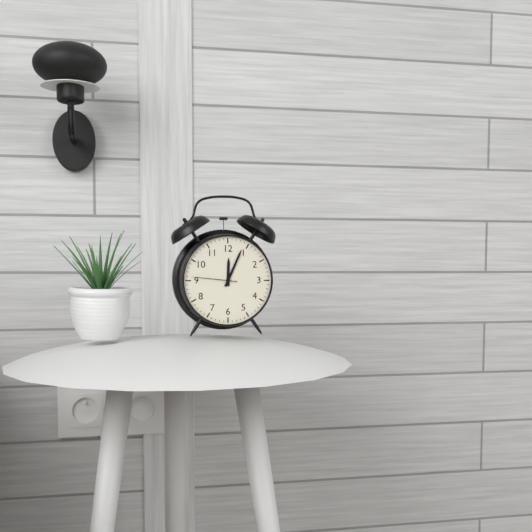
**12:04**
